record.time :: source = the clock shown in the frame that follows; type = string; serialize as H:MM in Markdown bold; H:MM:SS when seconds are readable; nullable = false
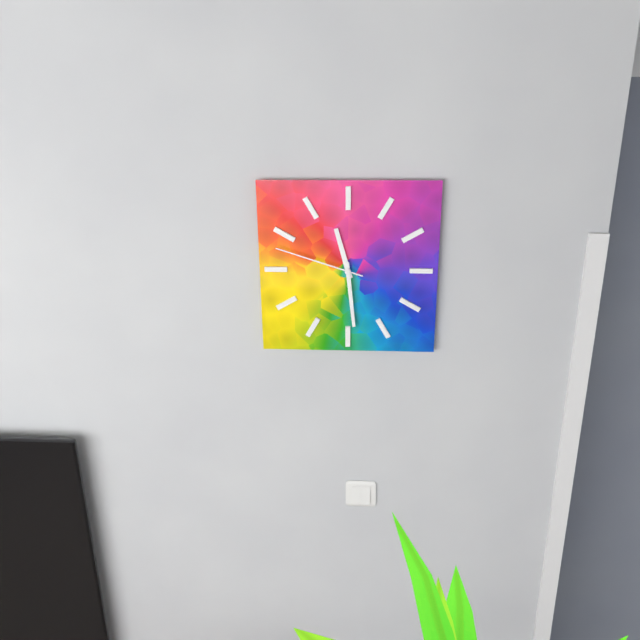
**11:29:48**
